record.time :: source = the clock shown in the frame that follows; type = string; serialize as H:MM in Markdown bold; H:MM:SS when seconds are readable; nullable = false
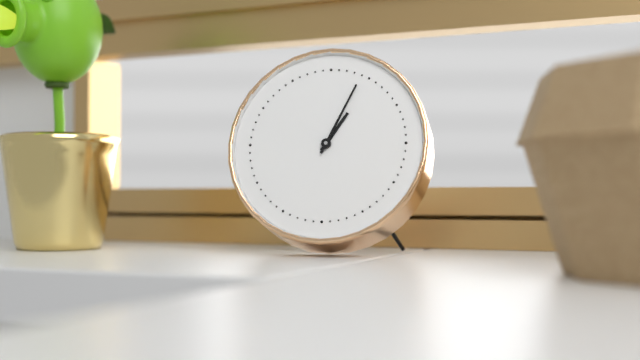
**1:04**
